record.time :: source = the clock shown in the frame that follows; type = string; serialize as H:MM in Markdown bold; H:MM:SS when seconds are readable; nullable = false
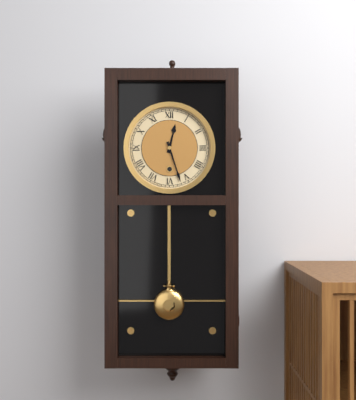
**12:27**
